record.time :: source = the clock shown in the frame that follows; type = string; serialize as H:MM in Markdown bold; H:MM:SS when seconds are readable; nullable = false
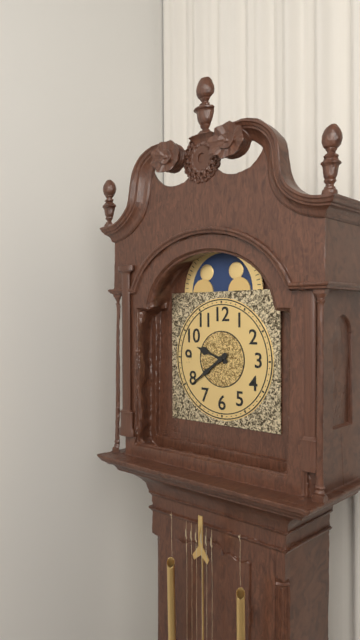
**9:39**
